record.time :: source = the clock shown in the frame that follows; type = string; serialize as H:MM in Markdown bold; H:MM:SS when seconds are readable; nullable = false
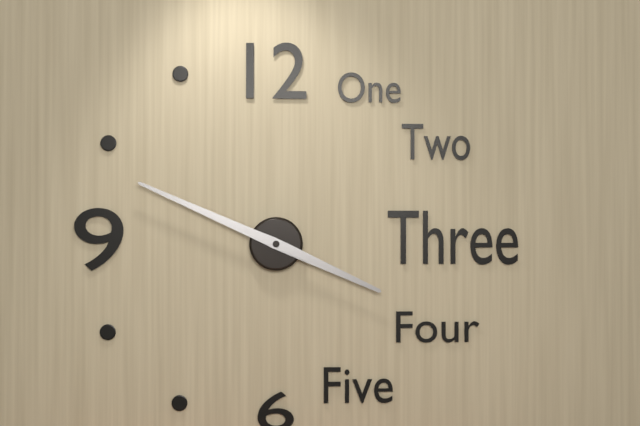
**3:49**
